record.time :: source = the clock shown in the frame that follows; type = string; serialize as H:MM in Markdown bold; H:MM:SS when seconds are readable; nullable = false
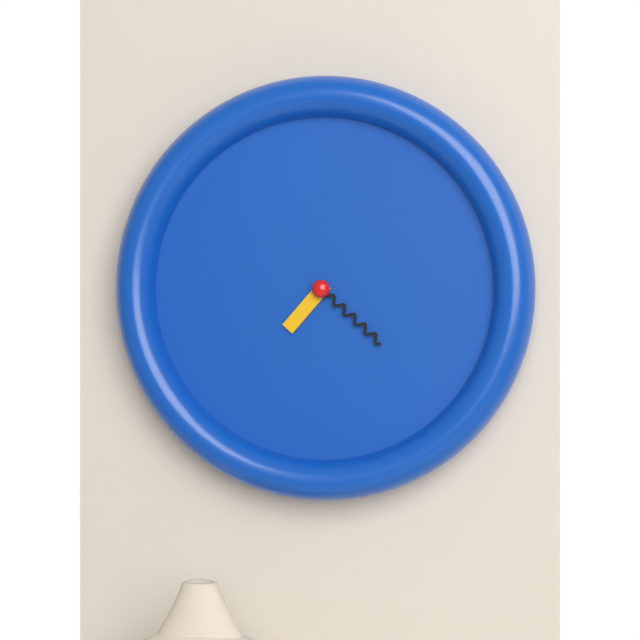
**7:22**
